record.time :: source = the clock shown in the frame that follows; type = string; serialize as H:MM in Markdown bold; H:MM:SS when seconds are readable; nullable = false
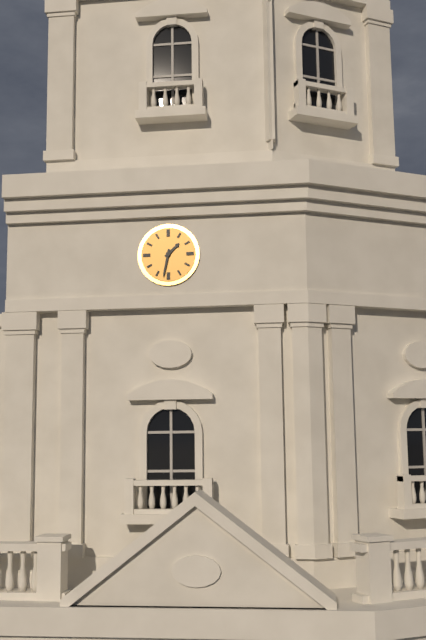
**1:32**
